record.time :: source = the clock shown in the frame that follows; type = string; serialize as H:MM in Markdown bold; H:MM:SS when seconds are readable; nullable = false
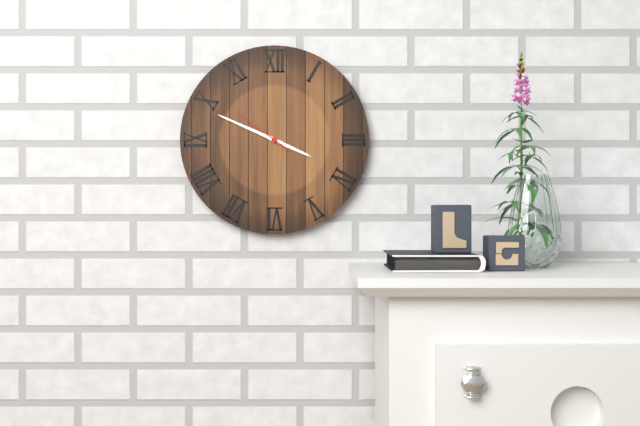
**3:49:51**
